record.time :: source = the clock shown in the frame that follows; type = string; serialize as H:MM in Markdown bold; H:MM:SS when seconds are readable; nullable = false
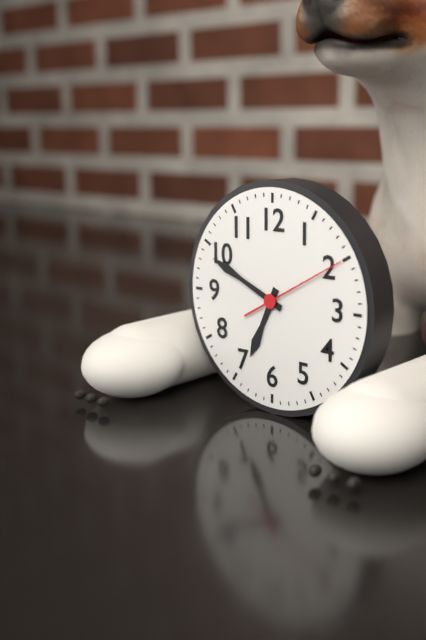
**6:49:10**
